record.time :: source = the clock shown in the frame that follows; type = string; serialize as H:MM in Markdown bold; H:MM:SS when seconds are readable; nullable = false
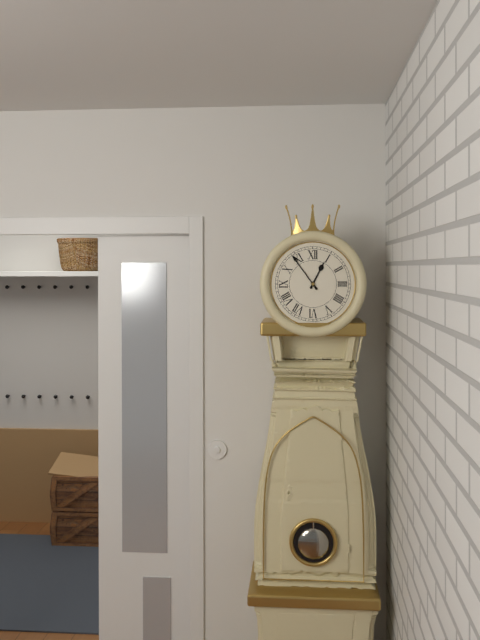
**12:54**
